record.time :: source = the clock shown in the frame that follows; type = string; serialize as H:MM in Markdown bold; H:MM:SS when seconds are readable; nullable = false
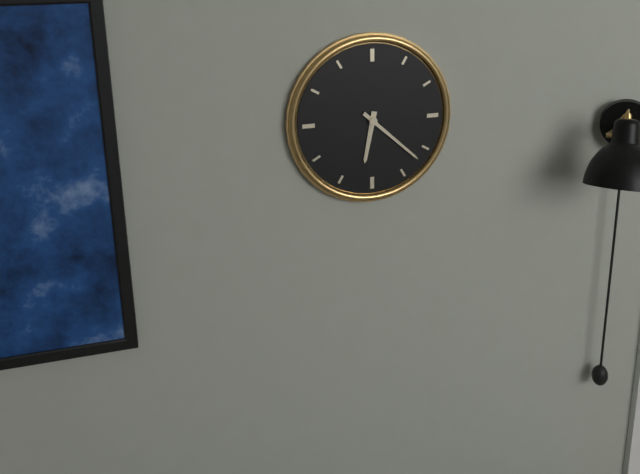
**6:22**
